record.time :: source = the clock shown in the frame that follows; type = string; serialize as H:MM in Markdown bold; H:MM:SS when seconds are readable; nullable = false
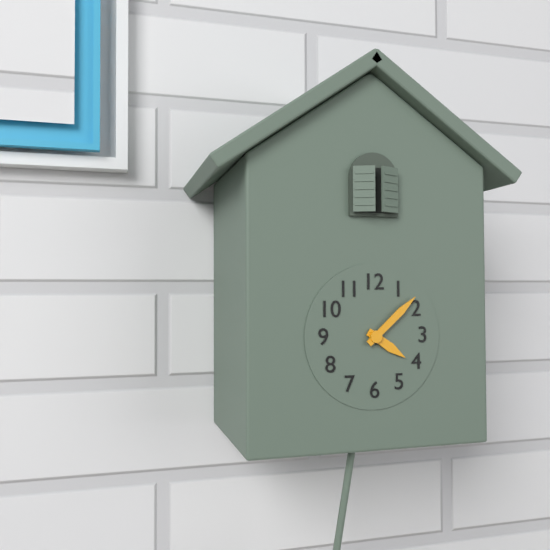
**4:08**
